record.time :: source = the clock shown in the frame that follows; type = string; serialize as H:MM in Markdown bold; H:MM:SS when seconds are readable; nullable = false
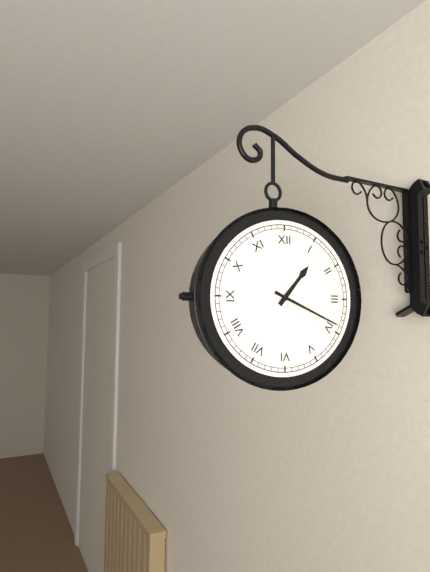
**1:19**
